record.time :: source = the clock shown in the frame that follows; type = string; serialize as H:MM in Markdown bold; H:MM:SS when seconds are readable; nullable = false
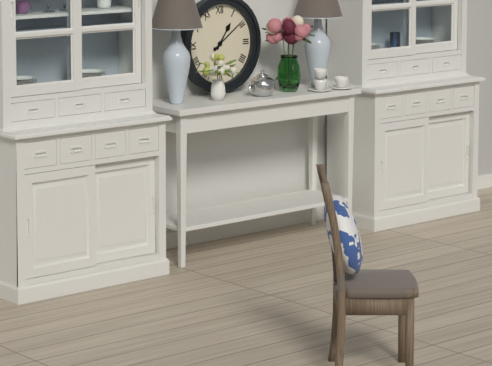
**1:09**
